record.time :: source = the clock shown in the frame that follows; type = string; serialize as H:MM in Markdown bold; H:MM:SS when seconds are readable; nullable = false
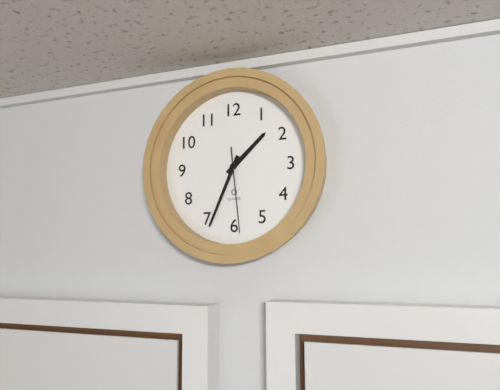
**1:34:29**
